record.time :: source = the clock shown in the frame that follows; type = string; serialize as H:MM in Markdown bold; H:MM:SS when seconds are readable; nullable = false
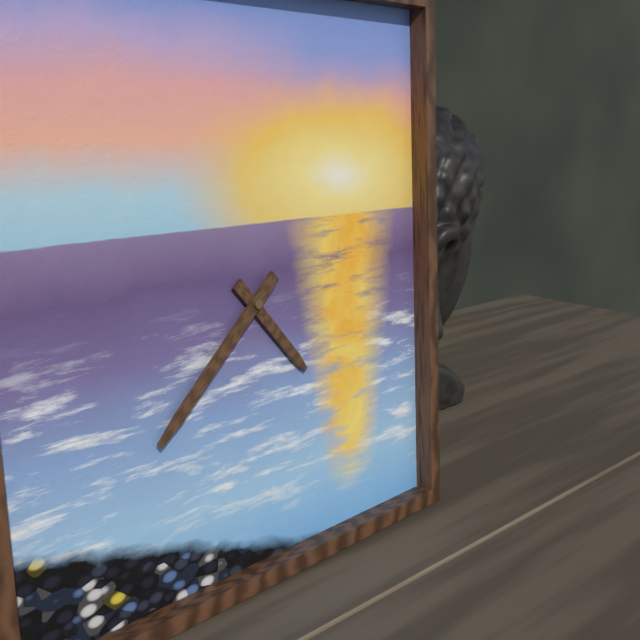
**4:38**
